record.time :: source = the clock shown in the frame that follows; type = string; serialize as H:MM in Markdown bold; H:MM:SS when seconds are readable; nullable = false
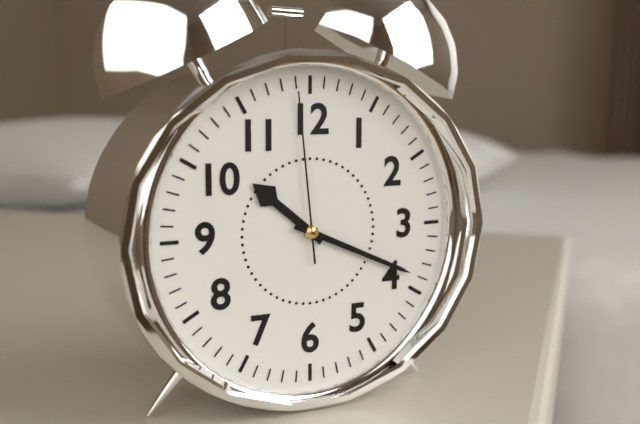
**10:19:59**
